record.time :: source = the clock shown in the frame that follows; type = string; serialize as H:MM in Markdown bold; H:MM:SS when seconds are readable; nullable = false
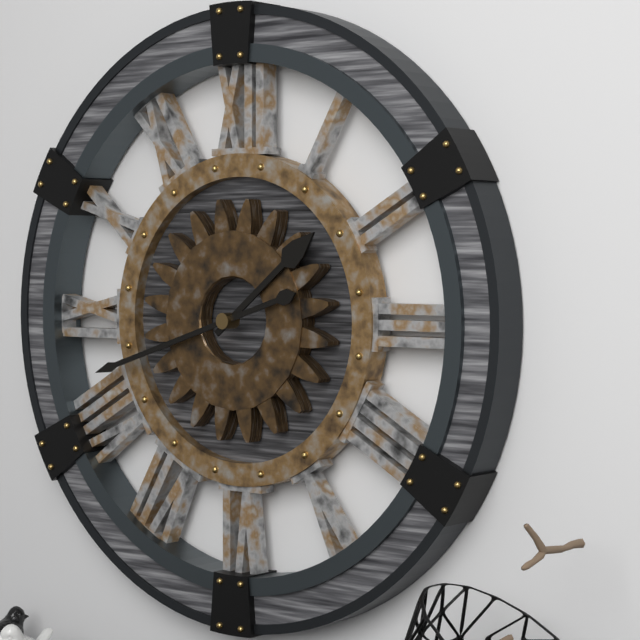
**1:42**
